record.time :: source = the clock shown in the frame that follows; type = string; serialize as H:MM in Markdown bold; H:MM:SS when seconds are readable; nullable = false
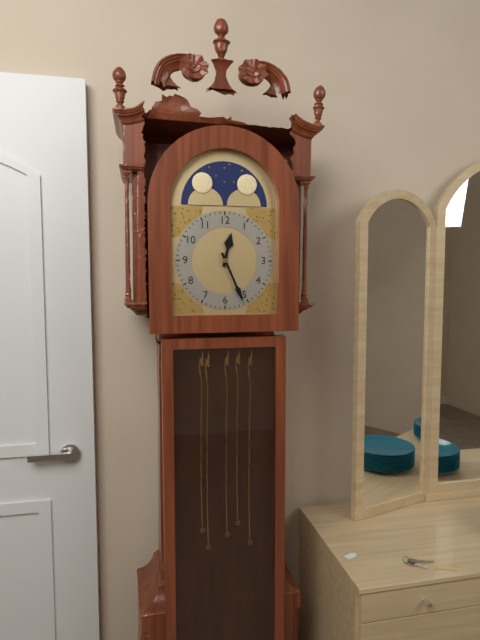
**12:26**
